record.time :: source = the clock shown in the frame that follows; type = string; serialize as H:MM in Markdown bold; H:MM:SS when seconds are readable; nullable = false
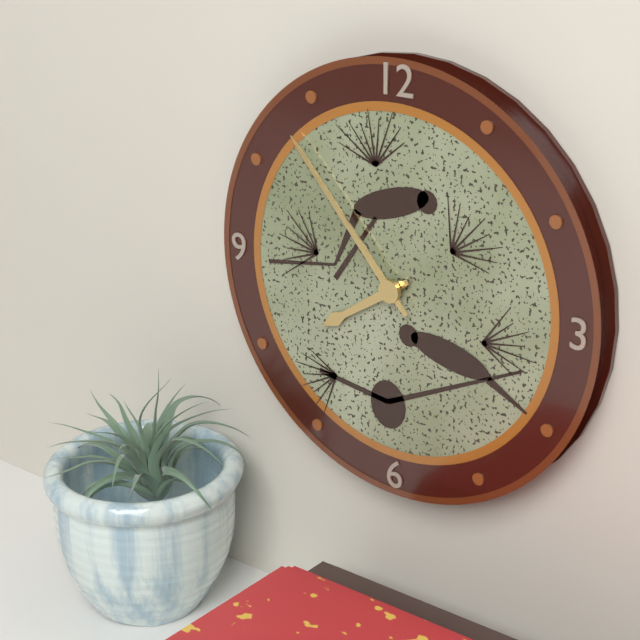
**7:53**
